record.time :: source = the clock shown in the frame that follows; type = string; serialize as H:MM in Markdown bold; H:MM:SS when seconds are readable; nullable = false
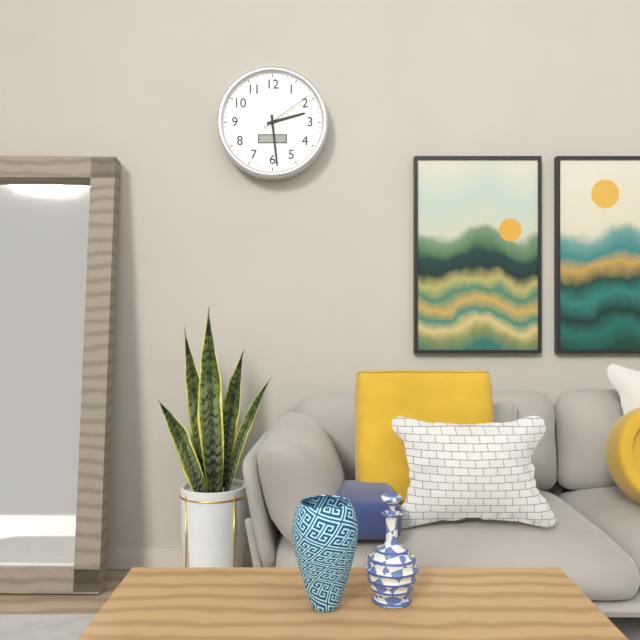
**2:29:09**
